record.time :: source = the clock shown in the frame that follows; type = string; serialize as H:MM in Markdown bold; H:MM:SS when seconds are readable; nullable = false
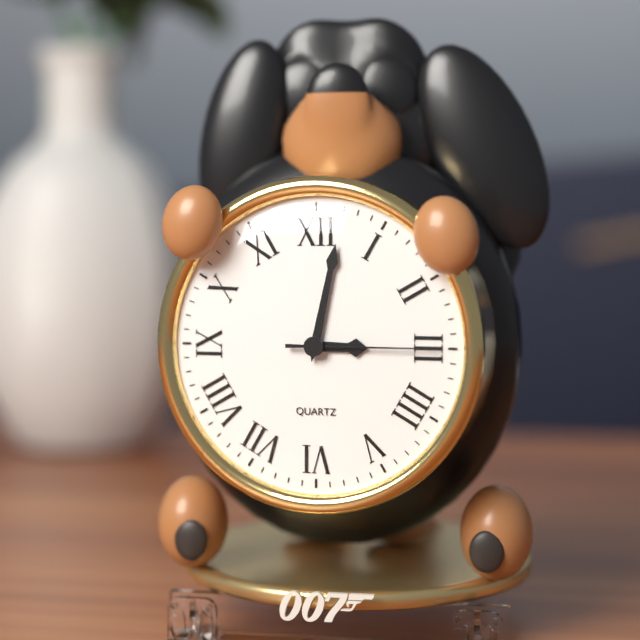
**3:02:15**
